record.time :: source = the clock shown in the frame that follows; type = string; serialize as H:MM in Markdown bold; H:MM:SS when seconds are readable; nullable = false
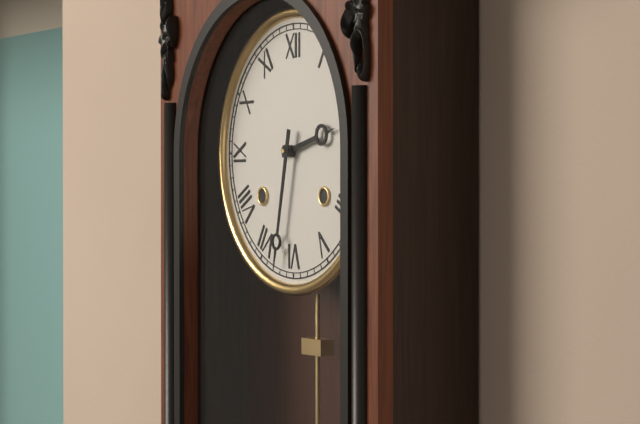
**2:32**
